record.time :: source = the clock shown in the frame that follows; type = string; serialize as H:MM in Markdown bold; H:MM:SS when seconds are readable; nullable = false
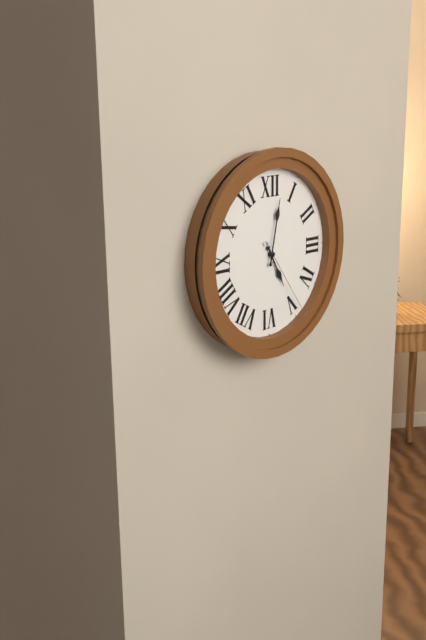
**5:02:24**
